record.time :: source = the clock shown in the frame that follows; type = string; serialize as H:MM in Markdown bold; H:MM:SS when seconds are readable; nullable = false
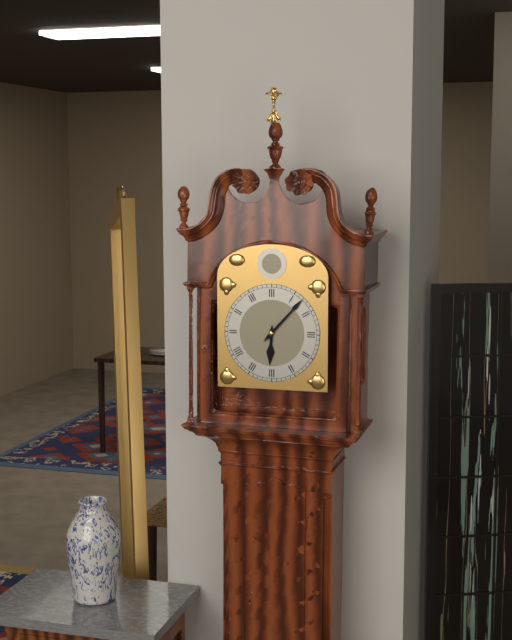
**6:07**
